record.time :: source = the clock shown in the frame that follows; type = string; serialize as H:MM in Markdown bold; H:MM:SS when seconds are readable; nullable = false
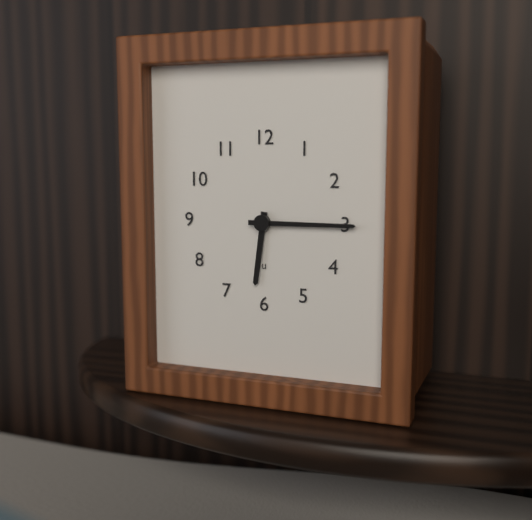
**6:15**
